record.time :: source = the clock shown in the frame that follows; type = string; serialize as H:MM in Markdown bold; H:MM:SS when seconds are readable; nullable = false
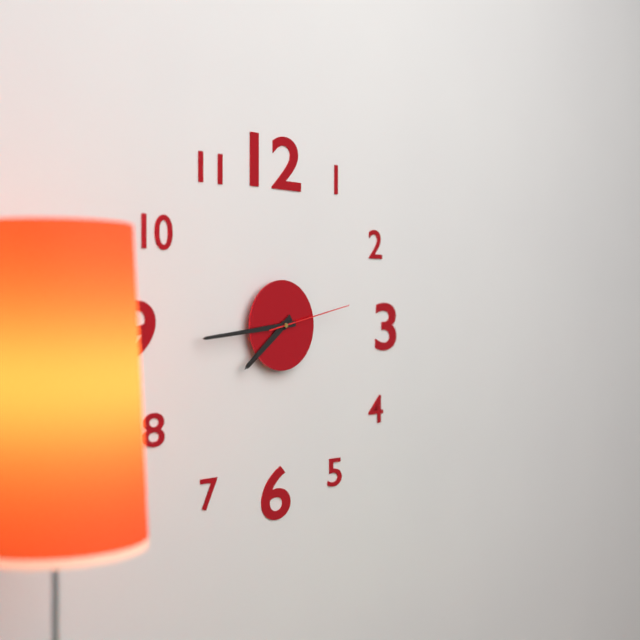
**7:44:13**
